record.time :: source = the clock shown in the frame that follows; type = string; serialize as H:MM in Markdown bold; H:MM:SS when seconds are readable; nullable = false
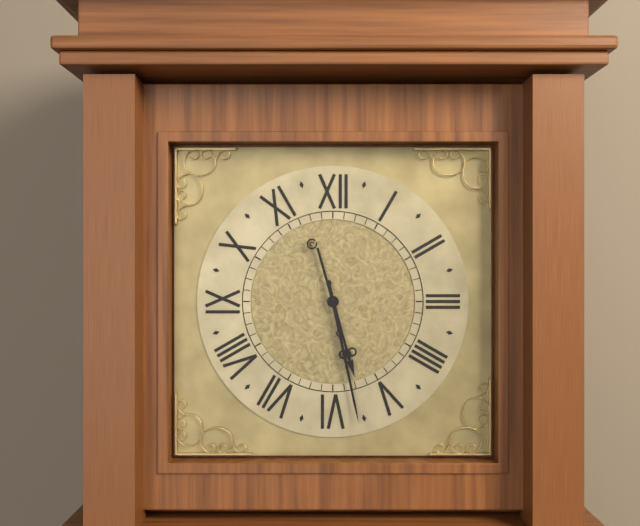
**5:28**
